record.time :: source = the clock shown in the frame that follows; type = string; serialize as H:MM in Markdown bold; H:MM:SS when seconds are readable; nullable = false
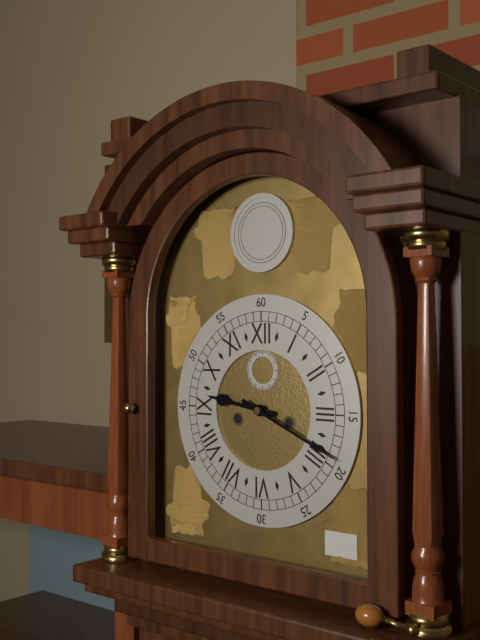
**9:19**
